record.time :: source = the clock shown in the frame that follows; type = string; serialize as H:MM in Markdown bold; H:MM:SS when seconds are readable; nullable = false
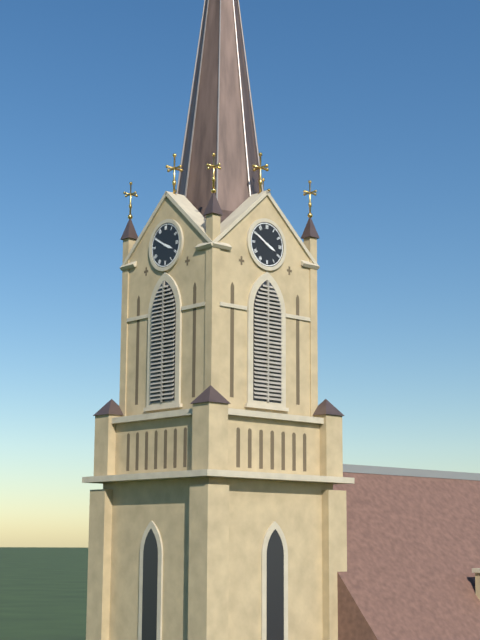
**3:50**
